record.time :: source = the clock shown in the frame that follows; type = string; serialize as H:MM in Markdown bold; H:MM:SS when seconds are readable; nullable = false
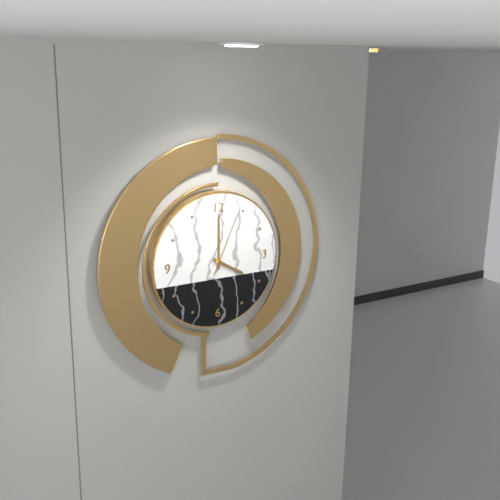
**4:00:04**
